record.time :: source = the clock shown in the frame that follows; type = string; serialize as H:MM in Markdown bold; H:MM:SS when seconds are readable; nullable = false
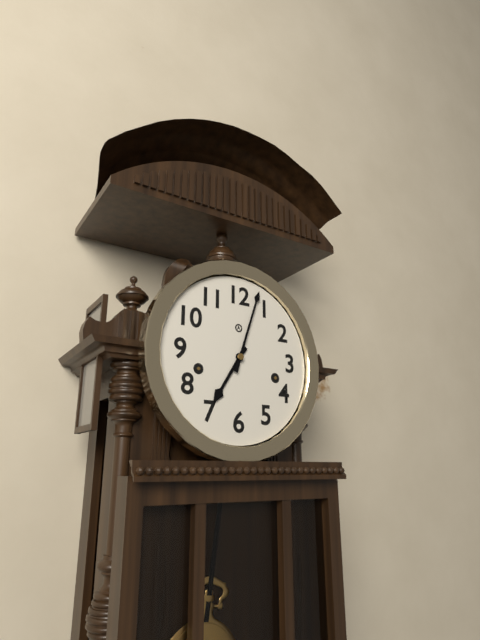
**7:03**
